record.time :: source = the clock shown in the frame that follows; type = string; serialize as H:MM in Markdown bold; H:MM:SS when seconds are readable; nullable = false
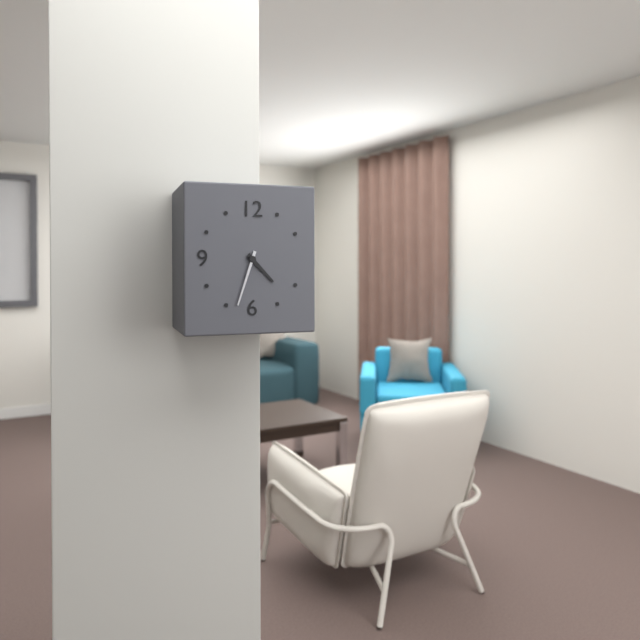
**4:33**
